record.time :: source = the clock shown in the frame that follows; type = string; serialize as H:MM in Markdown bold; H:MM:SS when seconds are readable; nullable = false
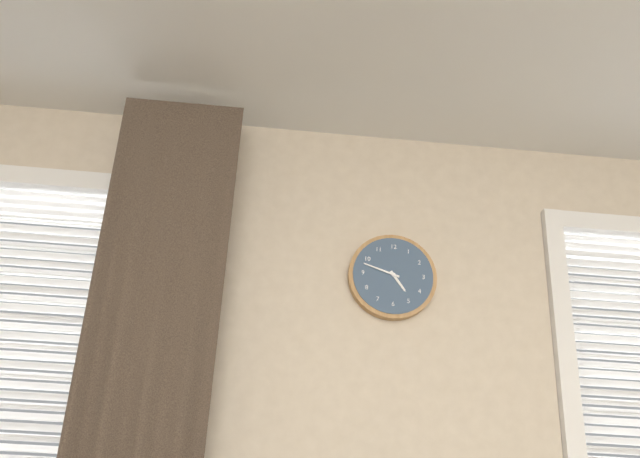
**4:48**
